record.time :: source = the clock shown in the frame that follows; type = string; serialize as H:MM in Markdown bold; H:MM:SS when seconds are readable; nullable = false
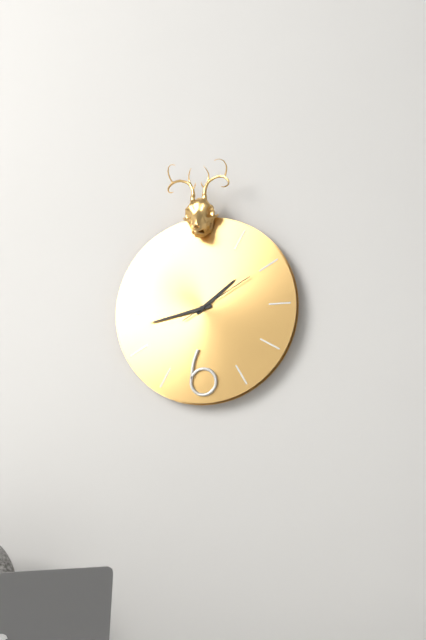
**1:43:10**
